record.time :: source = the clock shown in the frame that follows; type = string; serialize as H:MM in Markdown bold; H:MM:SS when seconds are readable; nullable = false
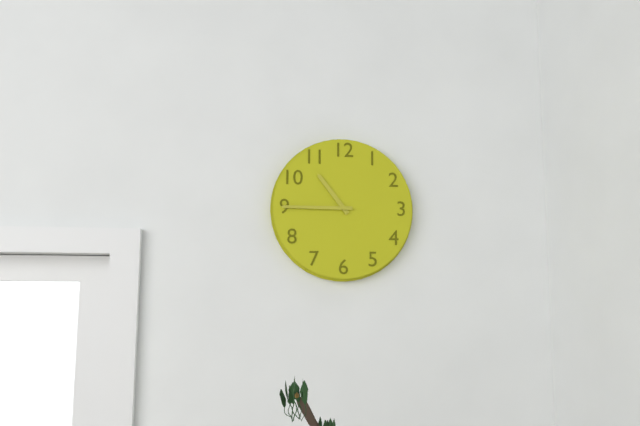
**10:45**
